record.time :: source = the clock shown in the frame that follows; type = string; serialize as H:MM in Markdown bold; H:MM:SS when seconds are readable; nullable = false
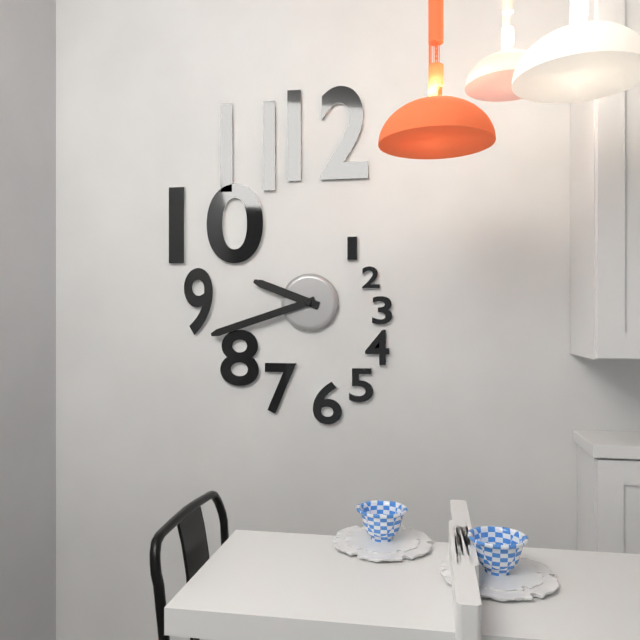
**9:42**
